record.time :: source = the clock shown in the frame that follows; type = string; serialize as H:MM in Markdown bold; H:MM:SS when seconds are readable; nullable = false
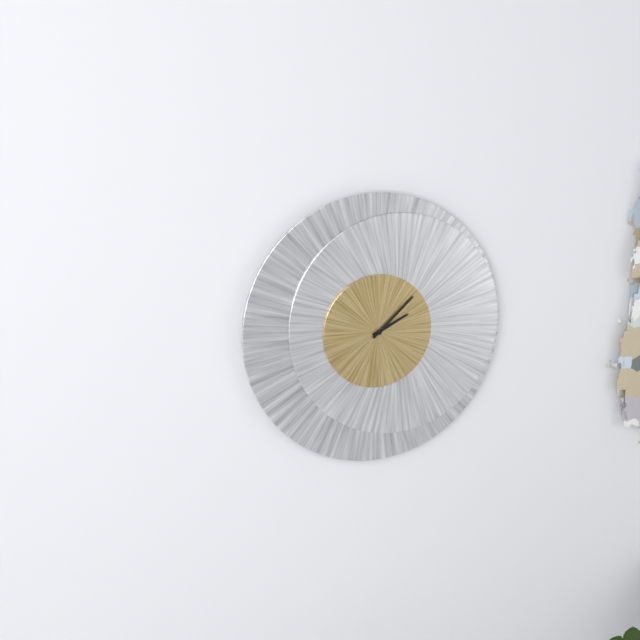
**2:08**
